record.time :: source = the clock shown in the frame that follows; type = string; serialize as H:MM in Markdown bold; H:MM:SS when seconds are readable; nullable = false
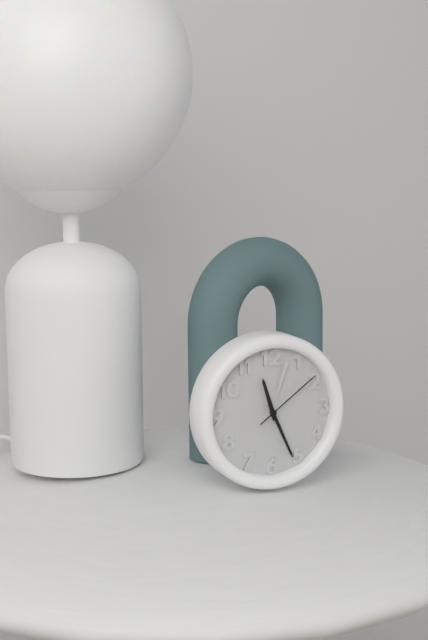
**11:26:09**
